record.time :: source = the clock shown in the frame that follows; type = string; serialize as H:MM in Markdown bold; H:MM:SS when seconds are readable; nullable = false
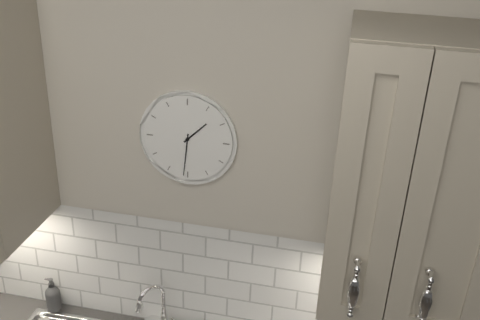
**1:31**
